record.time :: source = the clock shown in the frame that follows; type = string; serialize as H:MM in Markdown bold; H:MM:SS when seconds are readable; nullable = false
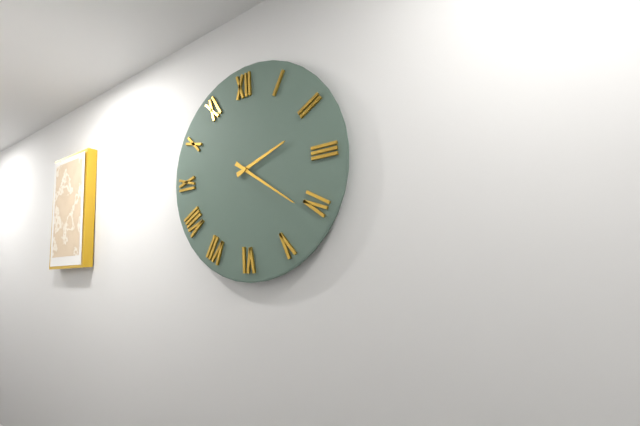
**2:21**
